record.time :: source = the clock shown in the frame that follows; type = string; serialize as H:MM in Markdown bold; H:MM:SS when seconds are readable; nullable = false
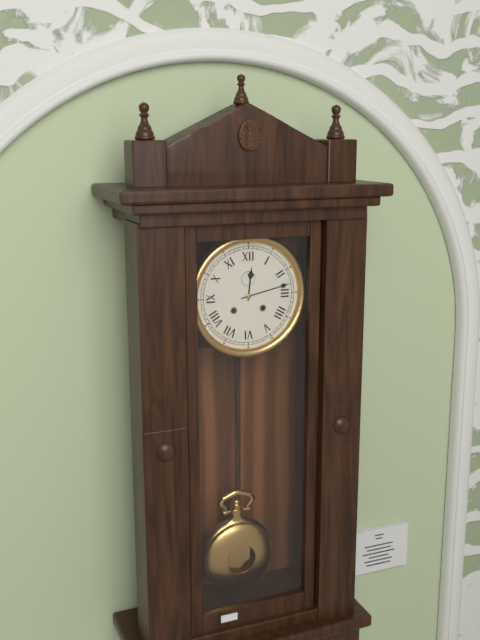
**12:13**
